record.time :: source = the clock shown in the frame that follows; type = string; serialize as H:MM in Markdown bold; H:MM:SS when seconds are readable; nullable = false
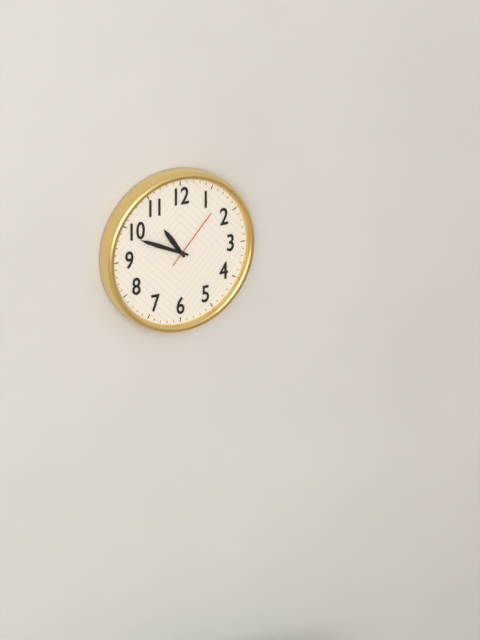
**10:49:07**
